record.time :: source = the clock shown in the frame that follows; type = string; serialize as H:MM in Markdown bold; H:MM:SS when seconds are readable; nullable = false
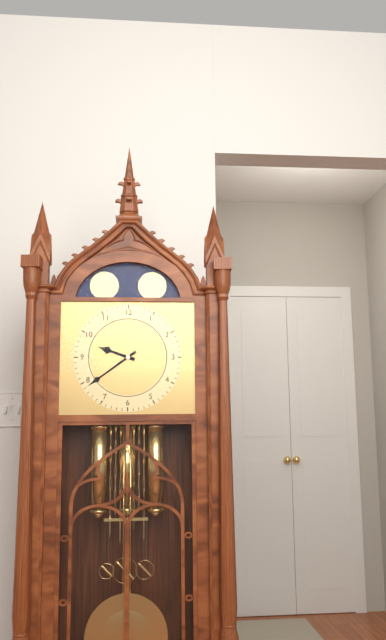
**9:39**
